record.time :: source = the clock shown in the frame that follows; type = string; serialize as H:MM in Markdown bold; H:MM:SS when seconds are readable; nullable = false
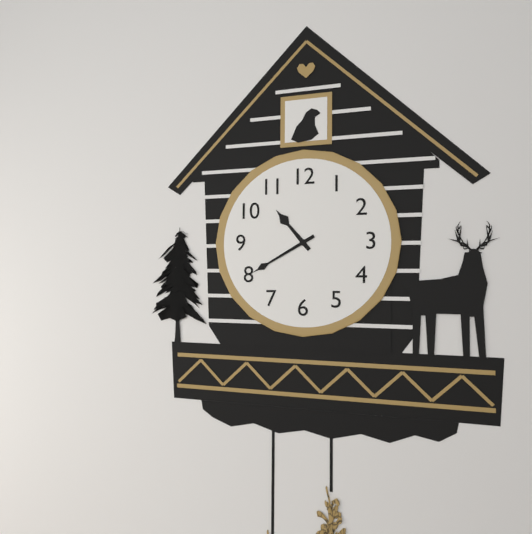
**10:40**
